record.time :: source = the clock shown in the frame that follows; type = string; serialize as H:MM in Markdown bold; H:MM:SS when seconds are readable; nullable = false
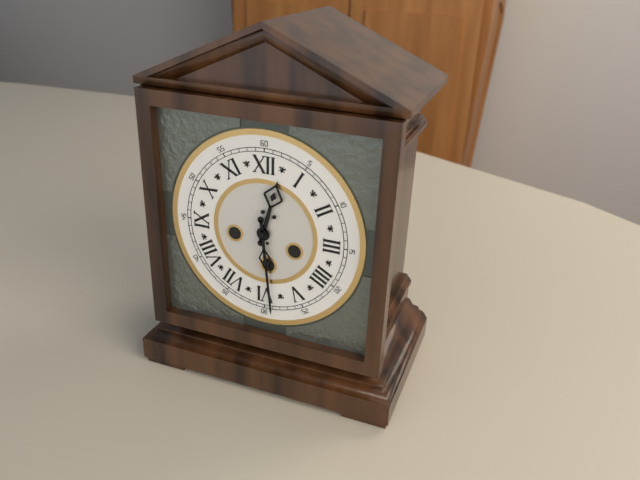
**12:29**
